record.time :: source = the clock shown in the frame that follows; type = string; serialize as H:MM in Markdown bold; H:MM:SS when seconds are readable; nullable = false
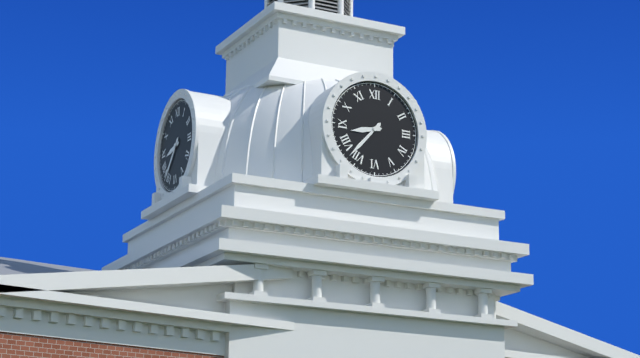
**8:37**
